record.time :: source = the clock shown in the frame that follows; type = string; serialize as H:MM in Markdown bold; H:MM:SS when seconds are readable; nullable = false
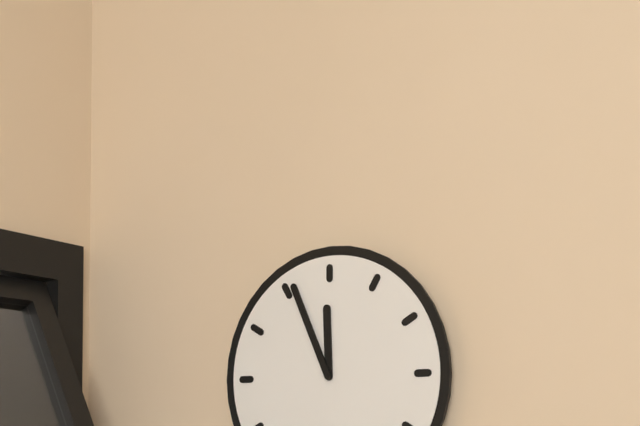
**11:56**
